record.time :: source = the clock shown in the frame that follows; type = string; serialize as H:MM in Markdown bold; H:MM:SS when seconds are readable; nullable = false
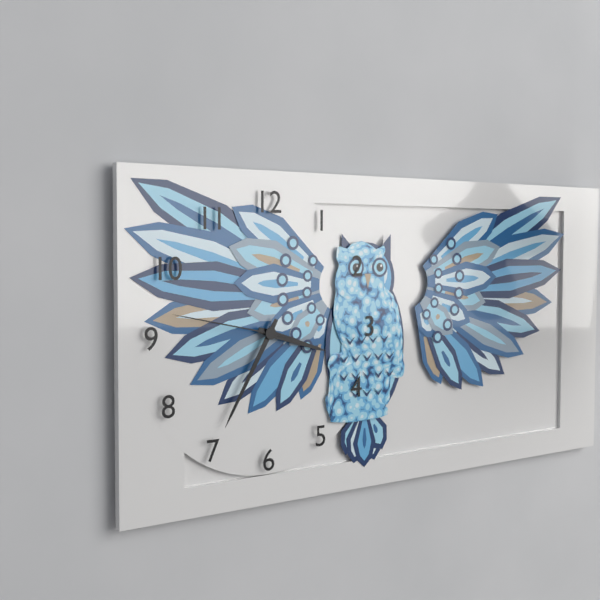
**3:35:47**
